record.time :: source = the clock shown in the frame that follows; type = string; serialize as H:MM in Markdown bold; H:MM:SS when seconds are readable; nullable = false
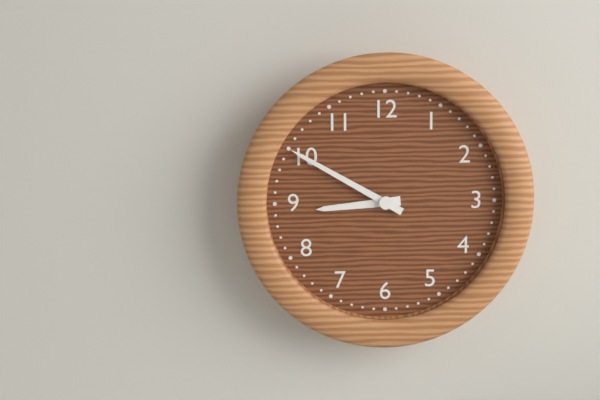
**8:50**
